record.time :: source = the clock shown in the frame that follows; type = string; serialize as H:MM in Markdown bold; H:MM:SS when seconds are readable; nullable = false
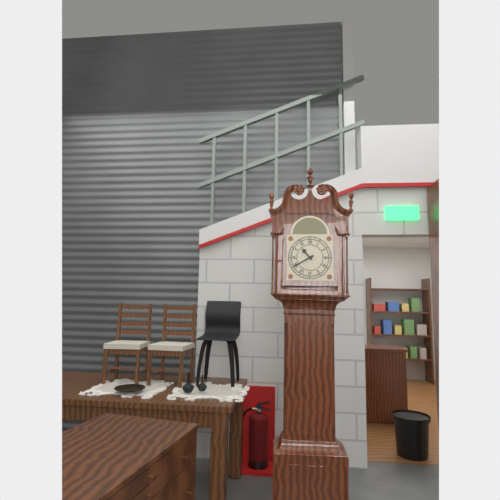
**10:40**
